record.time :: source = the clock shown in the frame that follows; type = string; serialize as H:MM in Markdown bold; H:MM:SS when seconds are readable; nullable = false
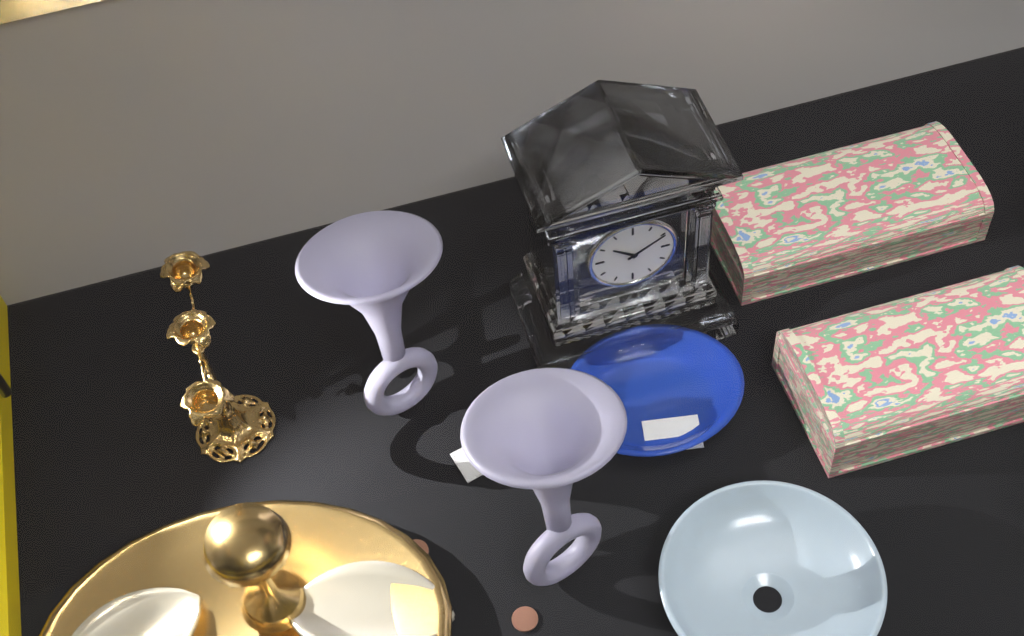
**10:10**
